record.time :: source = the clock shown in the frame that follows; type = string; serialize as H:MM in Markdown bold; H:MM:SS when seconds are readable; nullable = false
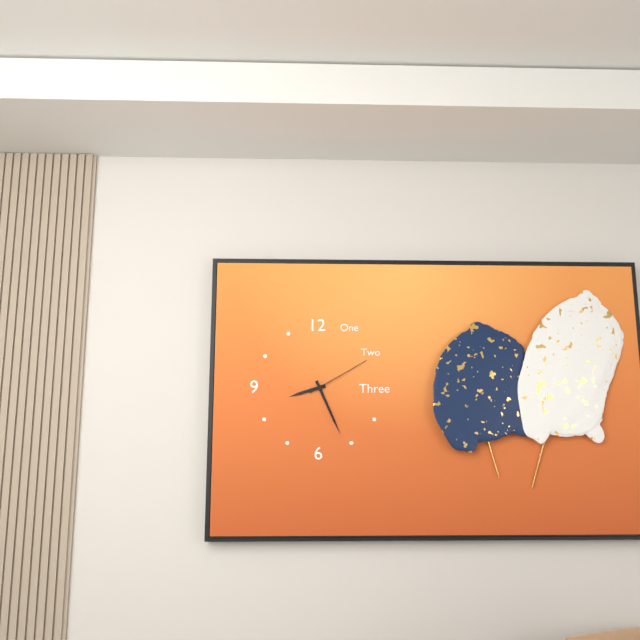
**8:26:10**
